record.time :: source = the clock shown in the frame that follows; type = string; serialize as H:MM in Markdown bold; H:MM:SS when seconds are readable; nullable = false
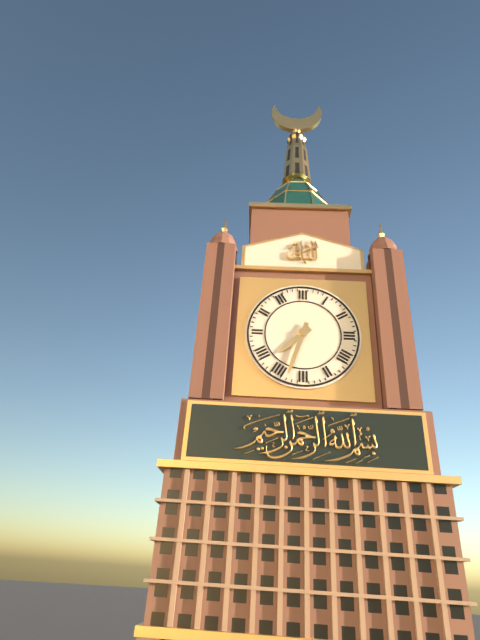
**7:33**
